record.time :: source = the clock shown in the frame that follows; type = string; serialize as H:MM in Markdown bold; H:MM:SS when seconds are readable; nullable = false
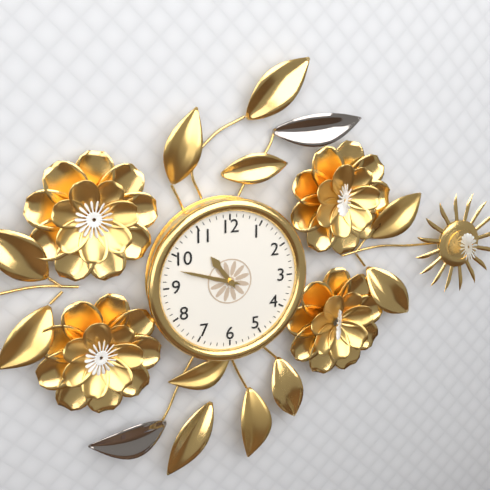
**10:48**
